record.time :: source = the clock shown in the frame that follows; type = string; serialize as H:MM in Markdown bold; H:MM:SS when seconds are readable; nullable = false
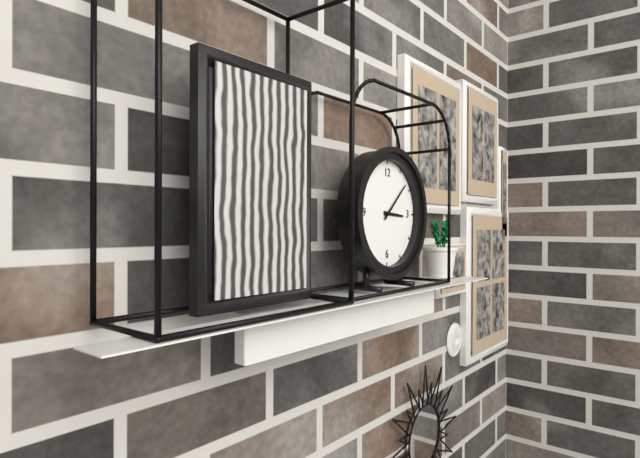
**3:08**
